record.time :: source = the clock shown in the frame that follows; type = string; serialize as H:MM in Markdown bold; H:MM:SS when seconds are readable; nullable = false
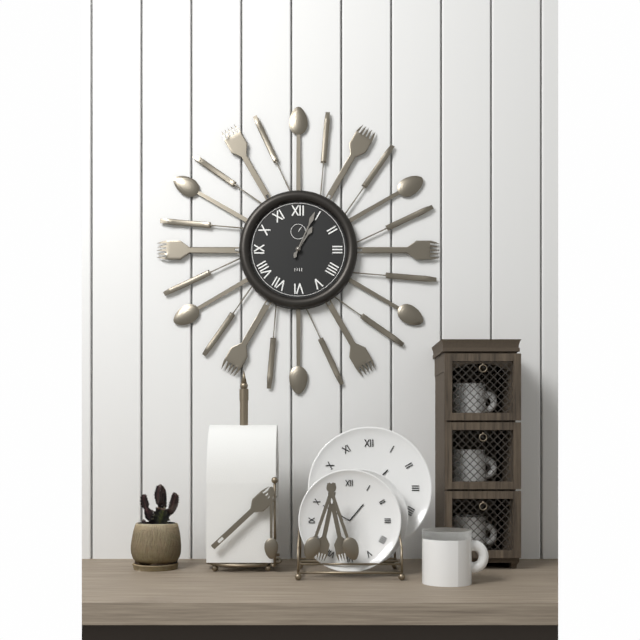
**1:04**
